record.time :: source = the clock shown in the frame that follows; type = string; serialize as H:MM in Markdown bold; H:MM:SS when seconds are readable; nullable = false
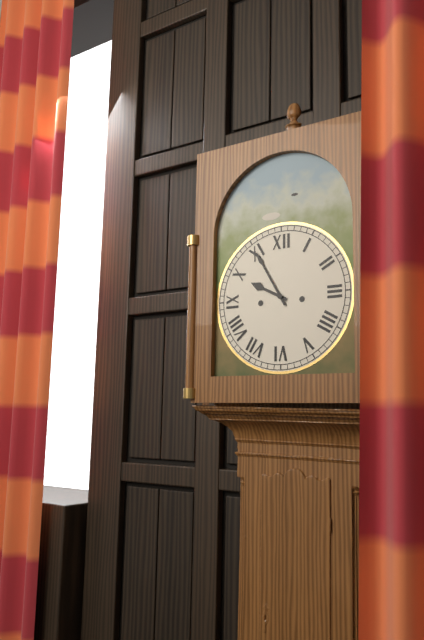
**9:55**
